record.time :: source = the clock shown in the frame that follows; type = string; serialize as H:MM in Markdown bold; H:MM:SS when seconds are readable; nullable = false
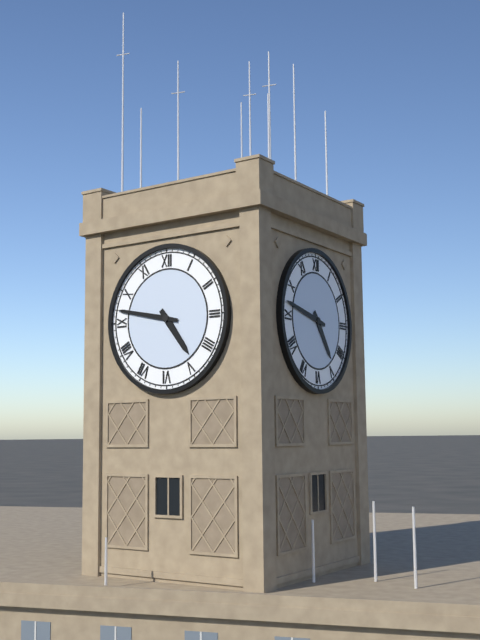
**4:47**
